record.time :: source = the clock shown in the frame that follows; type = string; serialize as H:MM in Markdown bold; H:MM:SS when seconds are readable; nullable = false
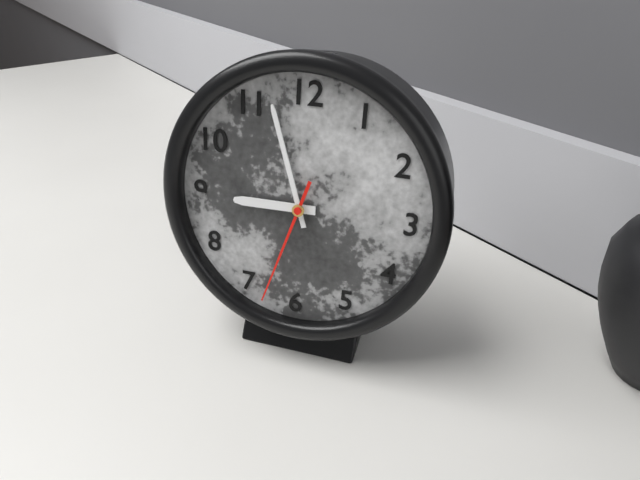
**8:57:33**
